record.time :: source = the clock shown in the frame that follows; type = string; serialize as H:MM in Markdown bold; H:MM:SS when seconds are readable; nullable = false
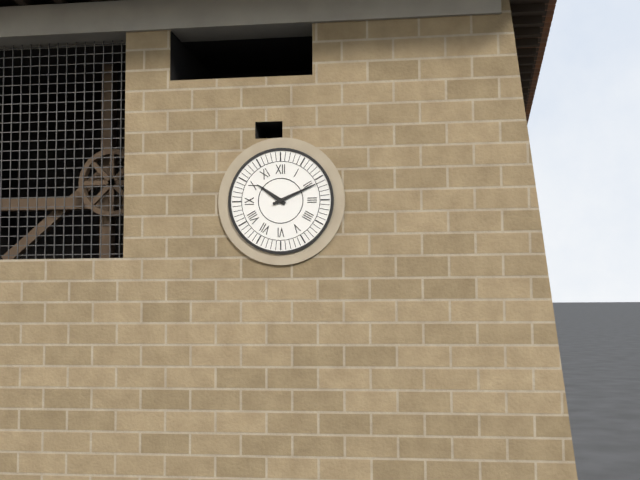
**10:11**
